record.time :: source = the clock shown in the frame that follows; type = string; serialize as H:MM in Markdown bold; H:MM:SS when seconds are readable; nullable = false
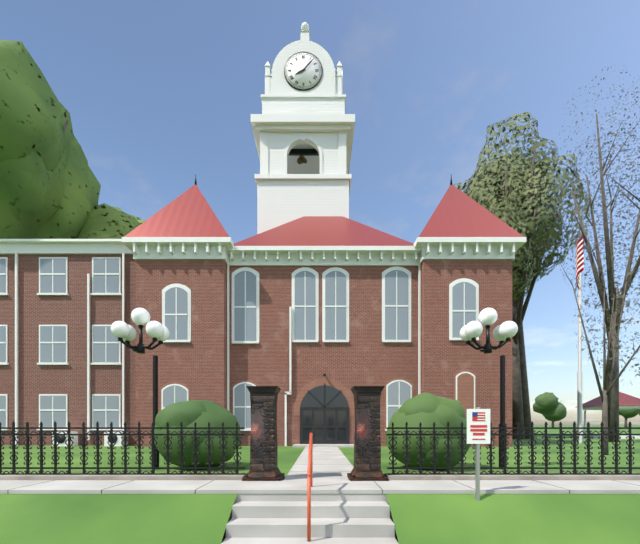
**8:07**
